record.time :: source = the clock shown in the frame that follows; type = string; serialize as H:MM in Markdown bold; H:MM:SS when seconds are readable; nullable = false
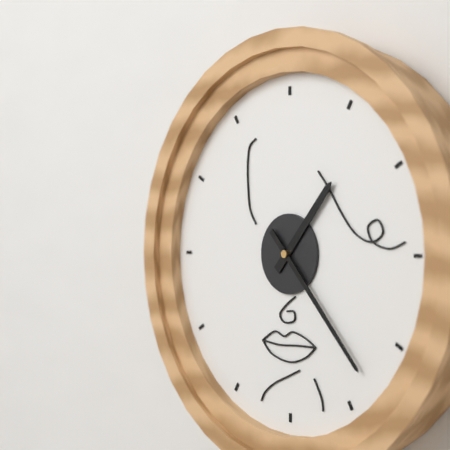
**1:23**
